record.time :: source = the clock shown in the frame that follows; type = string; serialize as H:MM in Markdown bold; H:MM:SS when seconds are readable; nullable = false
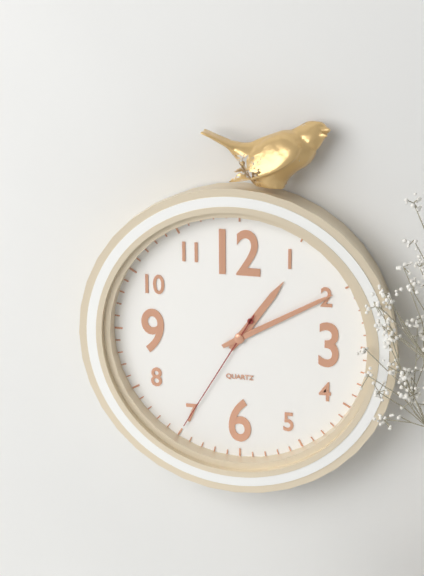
**1:10:35**
